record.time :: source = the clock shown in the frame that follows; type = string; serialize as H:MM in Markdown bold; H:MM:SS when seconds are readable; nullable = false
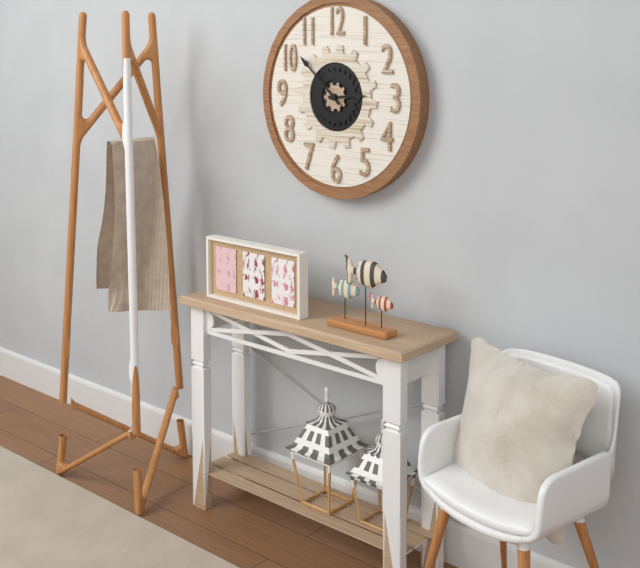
**2:52**
